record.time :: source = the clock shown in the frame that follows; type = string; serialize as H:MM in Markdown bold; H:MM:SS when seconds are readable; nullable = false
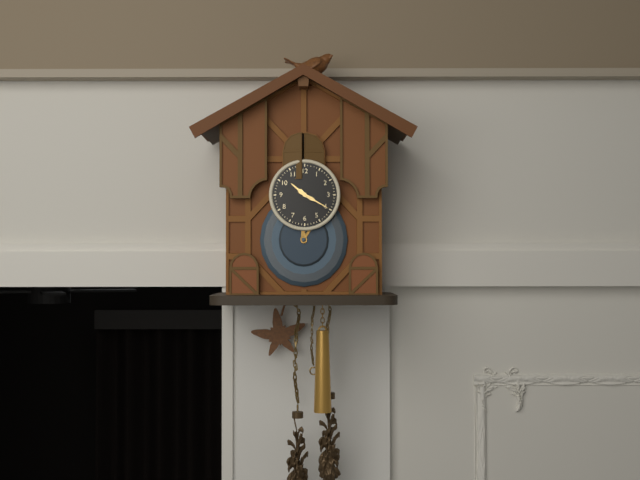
**10:20**
